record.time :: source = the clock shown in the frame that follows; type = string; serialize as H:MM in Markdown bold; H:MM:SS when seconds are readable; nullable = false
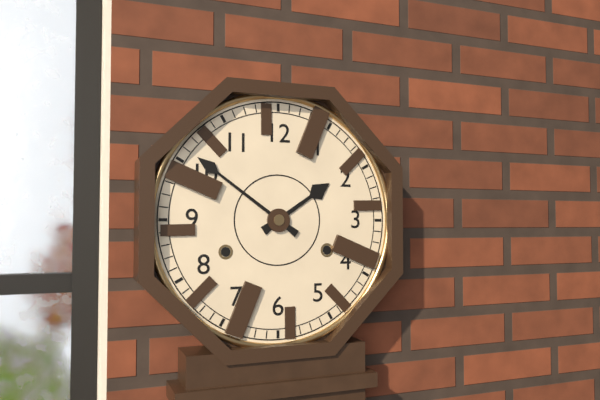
**1:51**
